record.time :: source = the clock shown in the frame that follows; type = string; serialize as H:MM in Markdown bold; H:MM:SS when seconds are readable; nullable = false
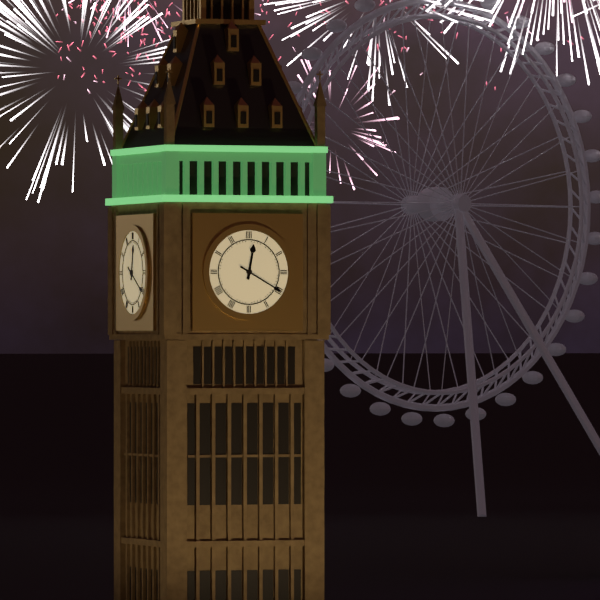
**12:20**
